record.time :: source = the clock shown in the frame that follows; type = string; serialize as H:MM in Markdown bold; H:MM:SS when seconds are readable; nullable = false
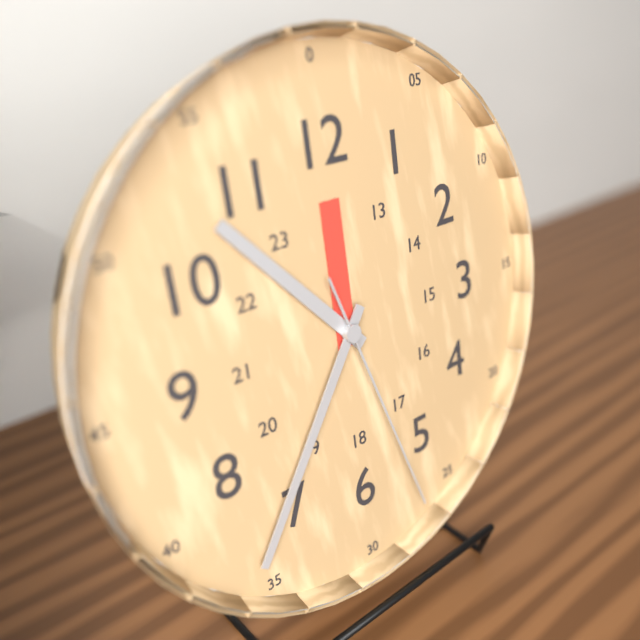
**10:36:27**
